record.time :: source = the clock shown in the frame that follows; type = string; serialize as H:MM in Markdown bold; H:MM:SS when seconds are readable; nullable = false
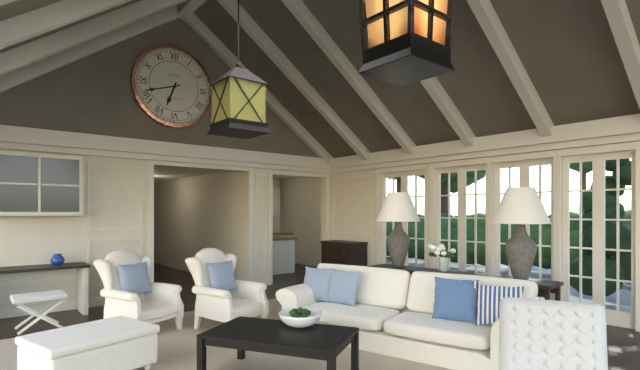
**6:42**
